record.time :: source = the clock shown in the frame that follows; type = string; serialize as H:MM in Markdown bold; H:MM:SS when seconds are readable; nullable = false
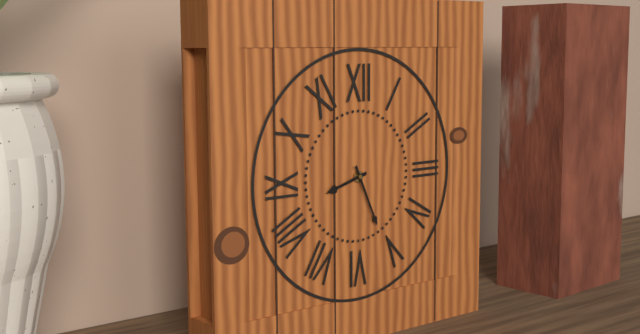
**8:26**
